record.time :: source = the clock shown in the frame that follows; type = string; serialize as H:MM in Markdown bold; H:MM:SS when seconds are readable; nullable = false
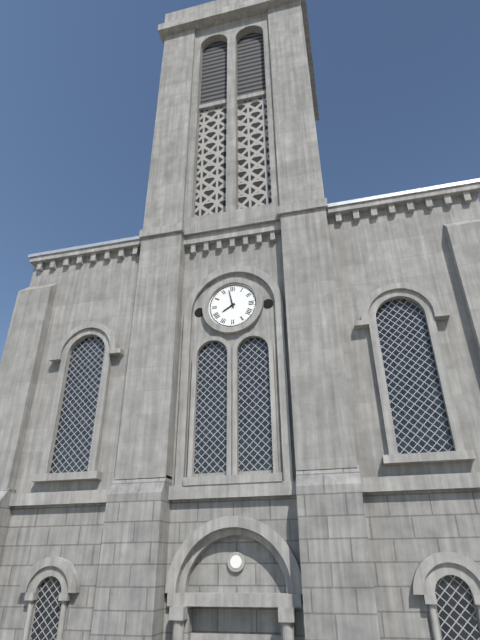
**7:58**
